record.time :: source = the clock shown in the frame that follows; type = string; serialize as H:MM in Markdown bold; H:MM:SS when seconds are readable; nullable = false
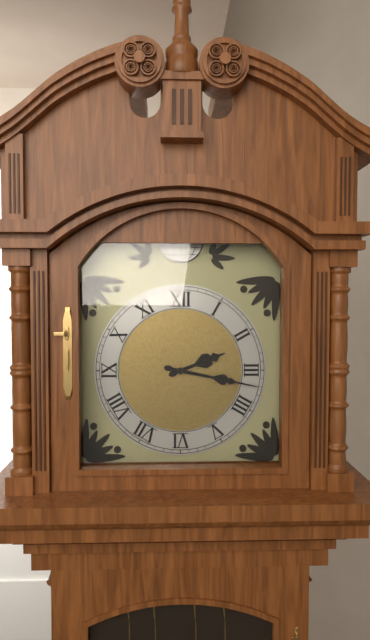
**2:17**
